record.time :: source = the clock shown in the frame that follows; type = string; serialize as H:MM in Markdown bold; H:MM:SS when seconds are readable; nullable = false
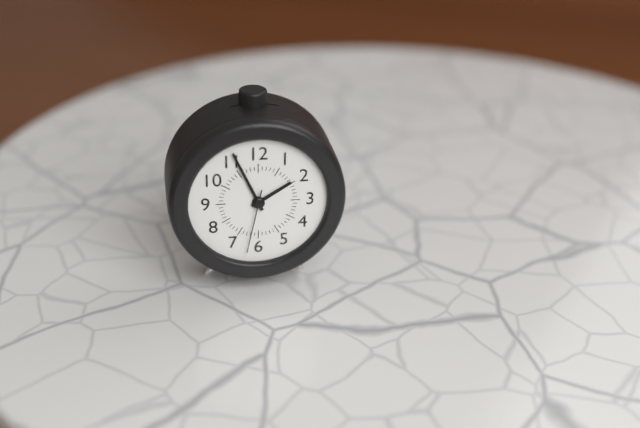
**1:56:32**
